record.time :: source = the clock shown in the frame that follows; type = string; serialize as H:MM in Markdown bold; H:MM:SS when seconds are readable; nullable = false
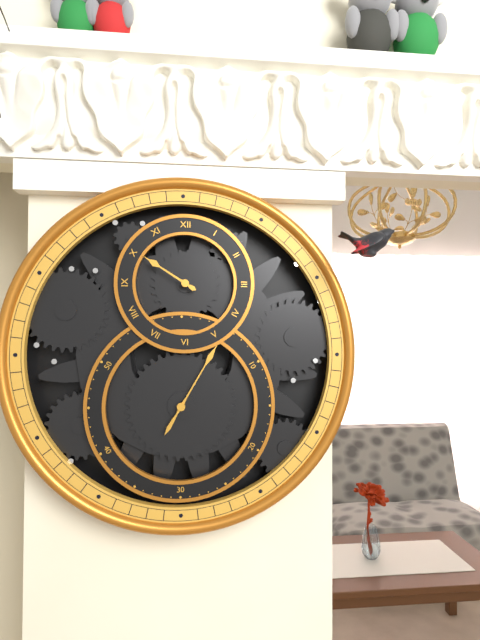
**10:05**
